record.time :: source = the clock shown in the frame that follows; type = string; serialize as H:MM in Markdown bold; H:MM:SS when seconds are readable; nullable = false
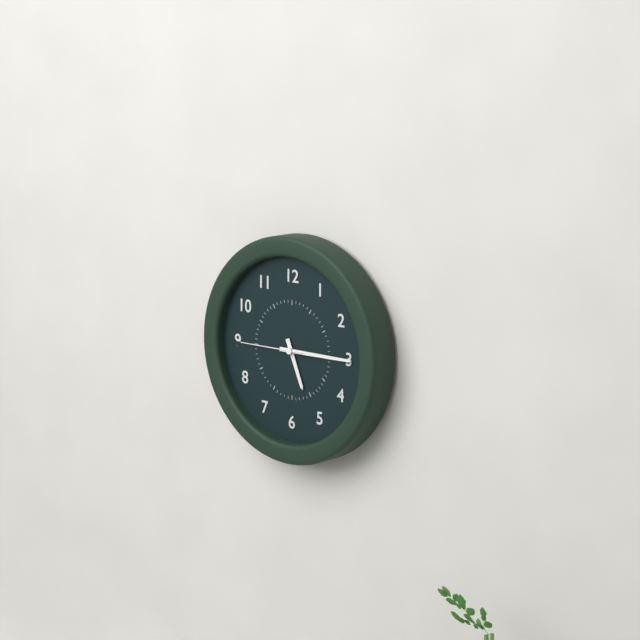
**5:15:45**
